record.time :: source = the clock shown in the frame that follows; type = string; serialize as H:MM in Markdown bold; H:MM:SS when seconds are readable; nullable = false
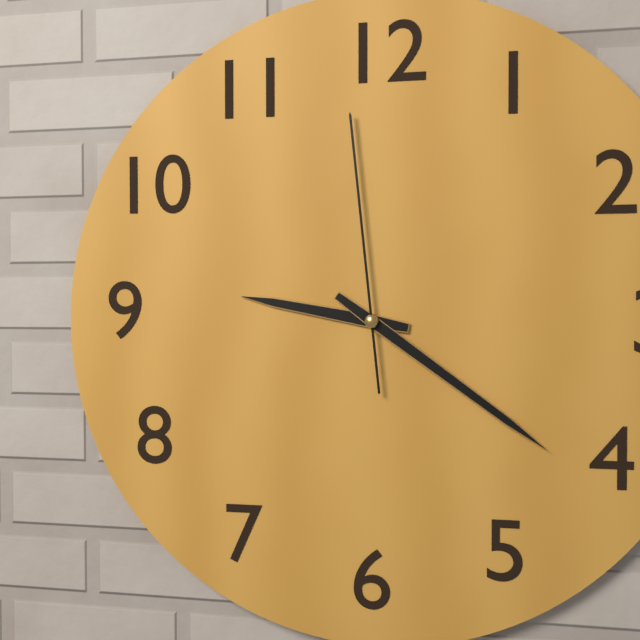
**9:21:59**
